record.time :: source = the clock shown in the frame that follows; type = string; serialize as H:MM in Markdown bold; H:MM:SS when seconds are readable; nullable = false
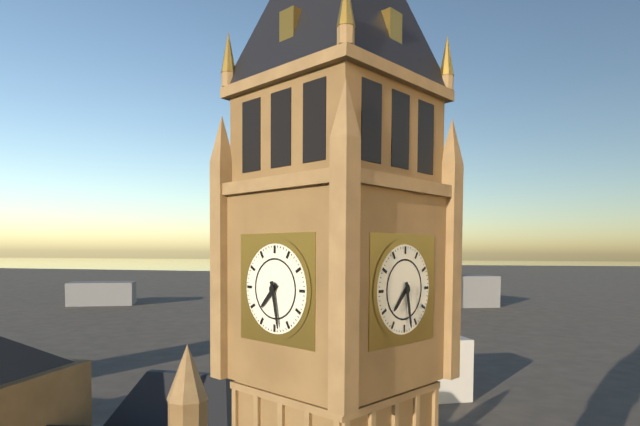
**7:28**
